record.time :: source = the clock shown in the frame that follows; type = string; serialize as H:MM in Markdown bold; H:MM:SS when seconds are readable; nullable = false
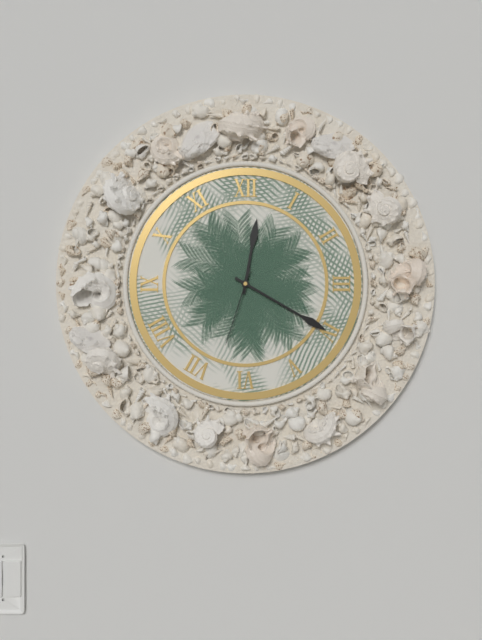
**12:20:33**
